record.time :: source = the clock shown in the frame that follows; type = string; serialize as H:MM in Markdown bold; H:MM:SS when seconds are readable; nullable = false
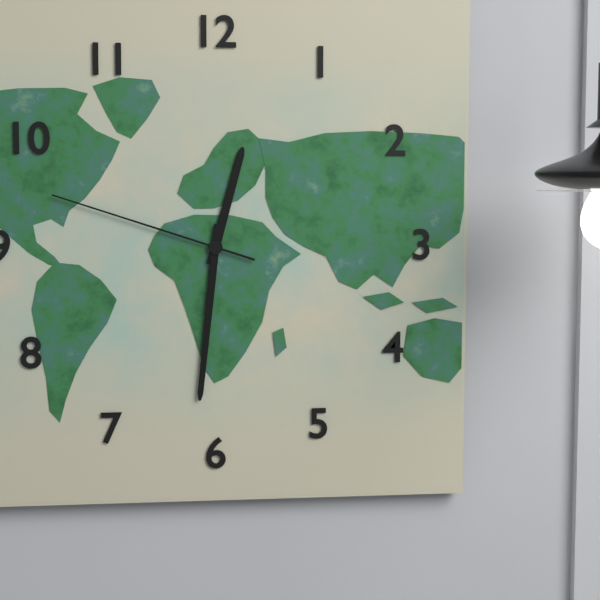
**12:31:48**
